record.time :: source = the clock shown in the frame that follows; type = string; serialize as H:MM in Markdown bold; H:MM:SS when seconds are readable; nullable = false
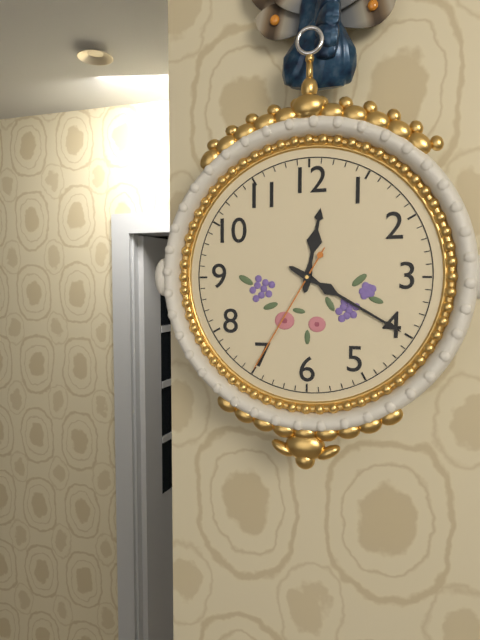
**12:20:35**
